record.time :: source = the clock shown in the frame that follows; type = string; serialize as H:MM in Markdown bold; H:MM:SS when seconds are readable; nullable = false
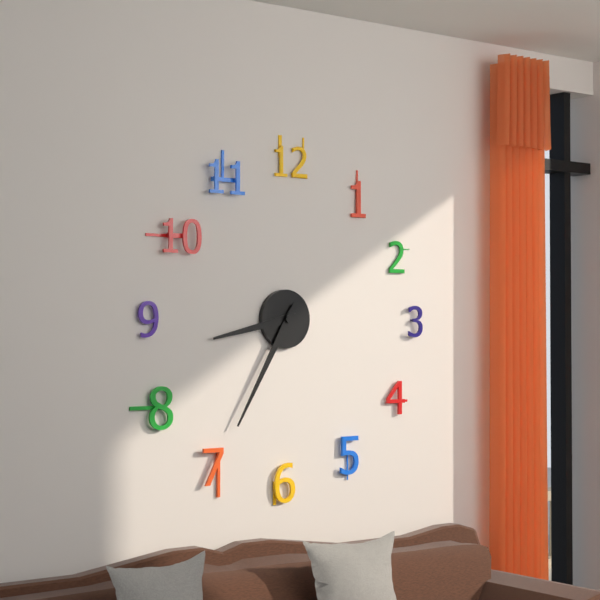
**8:35**
